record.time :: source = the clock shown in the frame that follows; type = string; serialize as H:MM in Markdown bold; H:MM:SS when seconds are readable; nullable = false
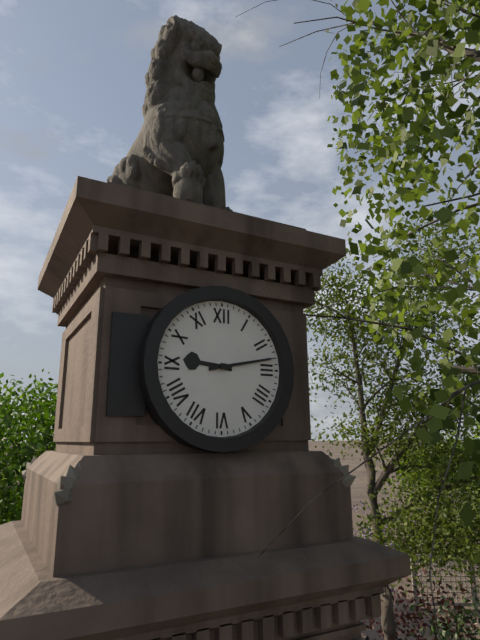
**9:13**
